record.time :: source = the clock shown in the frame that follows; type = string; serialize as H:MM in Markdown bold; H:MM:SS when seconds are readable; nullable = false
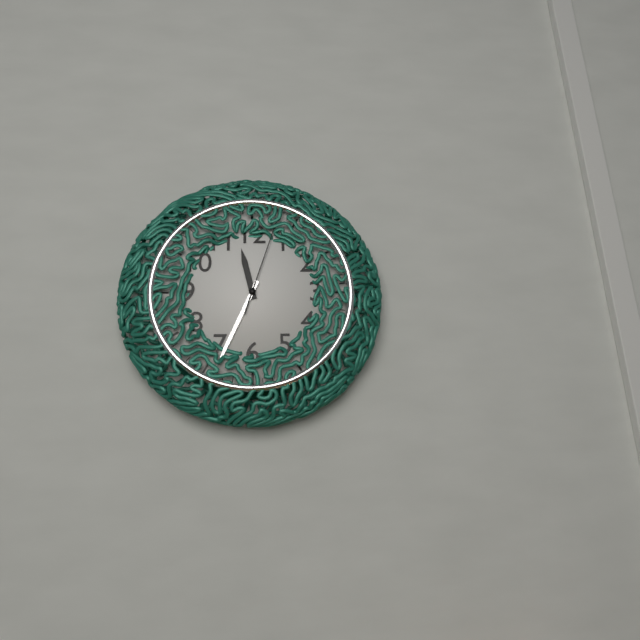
**11:34:03**
